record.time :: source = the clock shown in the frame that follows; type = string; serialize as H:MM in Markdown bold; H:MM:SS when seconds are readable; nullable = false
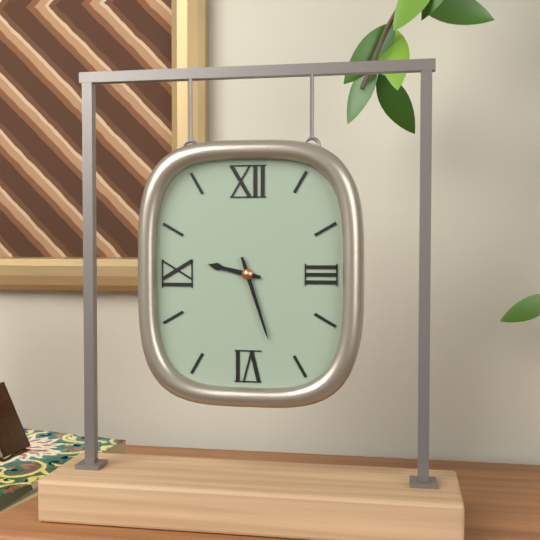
**9:27**
